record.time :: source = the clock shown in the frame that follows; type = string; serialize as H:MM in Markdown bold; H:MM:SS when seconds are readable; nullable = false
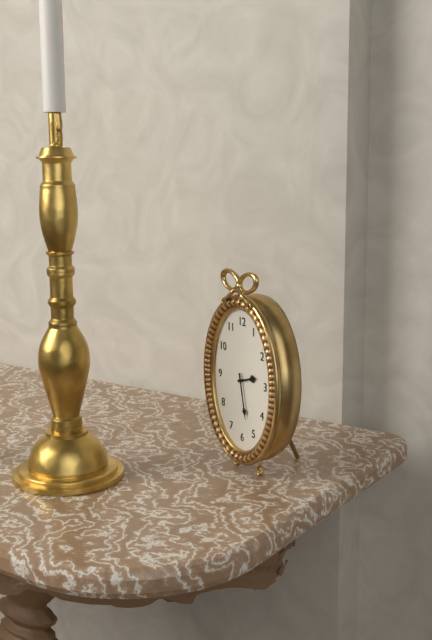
**2:28**
